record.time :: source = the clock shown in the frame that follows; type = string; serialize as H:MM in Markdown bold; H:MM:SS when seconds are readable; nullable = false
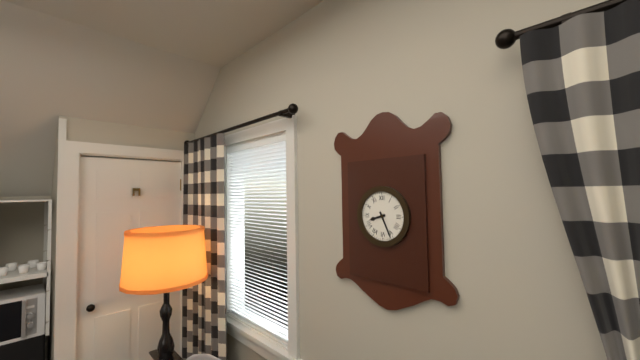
**8:26**
